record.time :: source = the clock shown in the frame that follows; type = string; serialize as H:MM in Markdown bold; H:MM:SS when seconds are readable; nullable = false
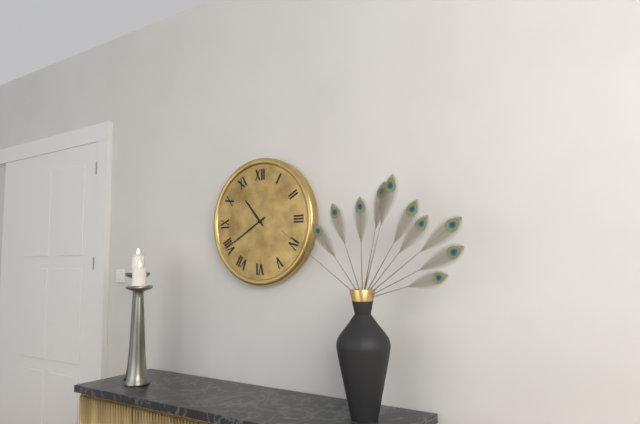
**10:40**
